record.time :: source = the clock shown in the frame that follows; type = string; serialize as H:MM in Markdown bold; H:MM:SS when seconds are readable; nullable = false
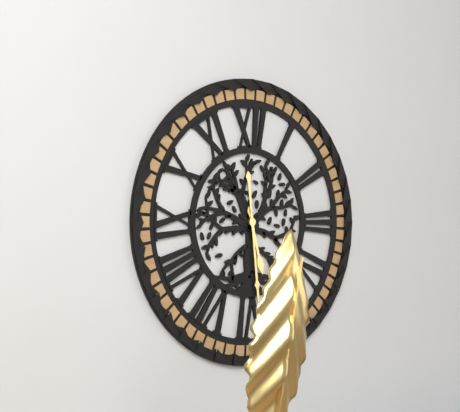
**5:29**
